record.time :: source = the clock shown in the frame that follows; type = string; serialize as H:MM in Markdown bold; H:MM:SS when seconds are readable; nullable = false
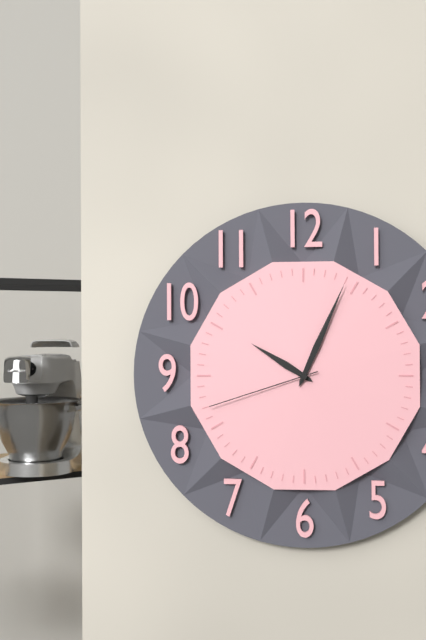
**10:04:42**
